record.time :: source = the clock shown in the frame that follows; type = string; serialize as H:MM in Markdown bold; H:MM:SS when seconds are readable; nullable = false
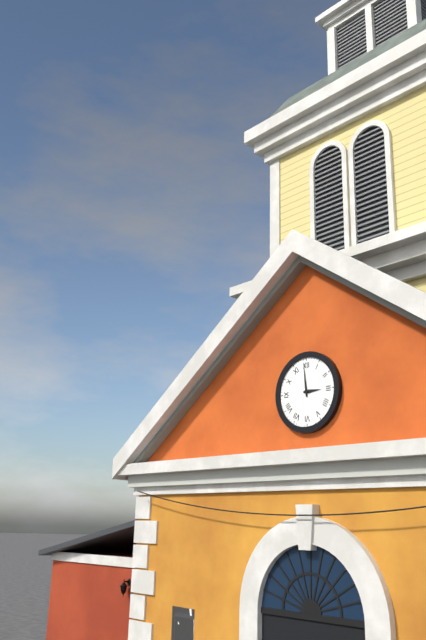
**2:59**
